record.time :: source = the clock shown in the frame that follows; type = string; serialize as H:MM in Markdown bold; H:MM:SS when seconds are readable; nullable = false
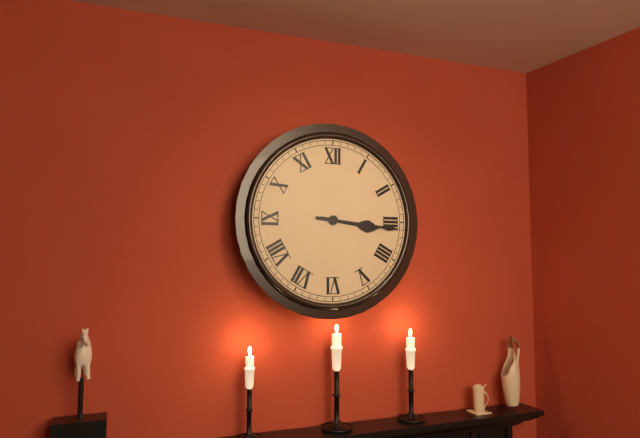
**3:16**
